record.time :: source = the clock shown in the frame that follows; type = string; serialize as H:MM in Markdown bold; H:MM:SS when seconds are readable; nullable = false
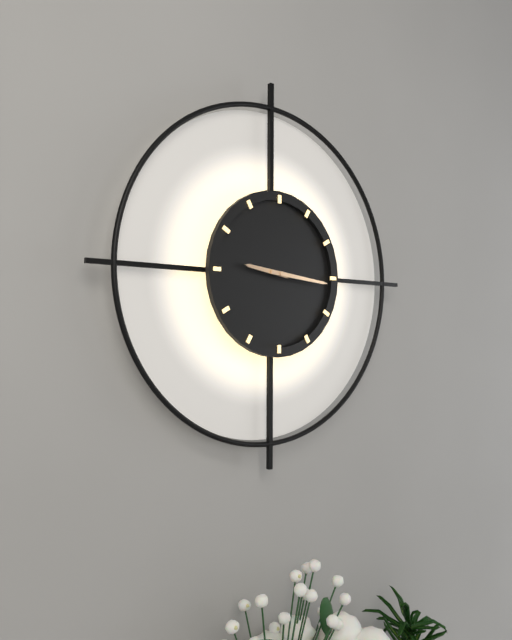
**9:16**
